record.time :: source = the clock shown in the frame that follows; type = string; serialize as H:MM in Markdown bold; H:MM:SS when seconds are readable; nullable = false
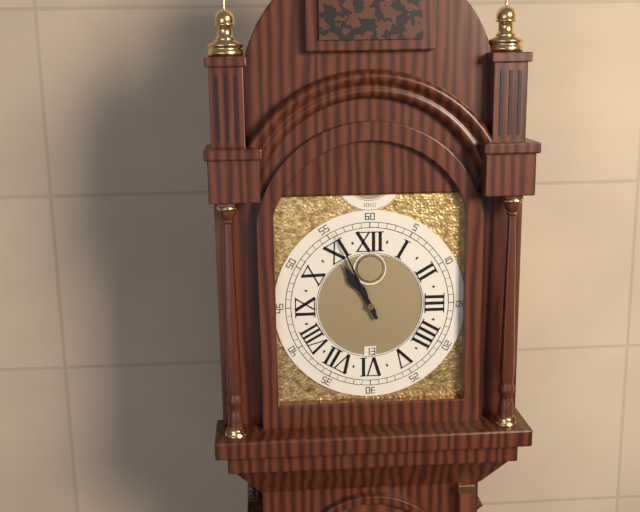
**10:56**
